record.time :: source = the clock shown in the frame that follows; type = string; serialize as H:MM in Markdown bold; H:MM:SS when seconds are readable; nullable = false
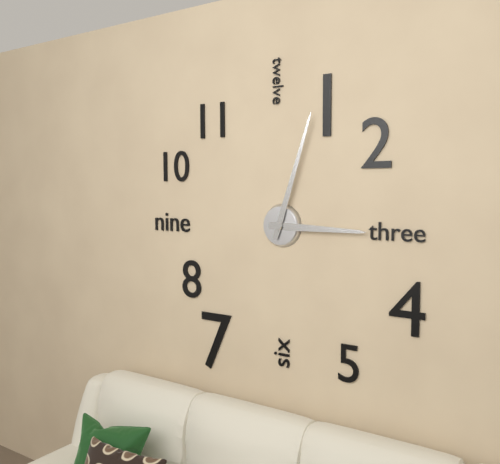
**3:03**
